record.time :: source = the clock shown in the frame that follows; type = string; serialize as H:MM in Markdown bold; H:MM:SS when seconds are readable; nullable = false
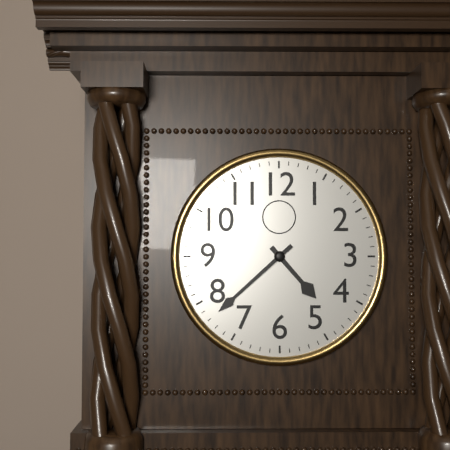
**4:38**
